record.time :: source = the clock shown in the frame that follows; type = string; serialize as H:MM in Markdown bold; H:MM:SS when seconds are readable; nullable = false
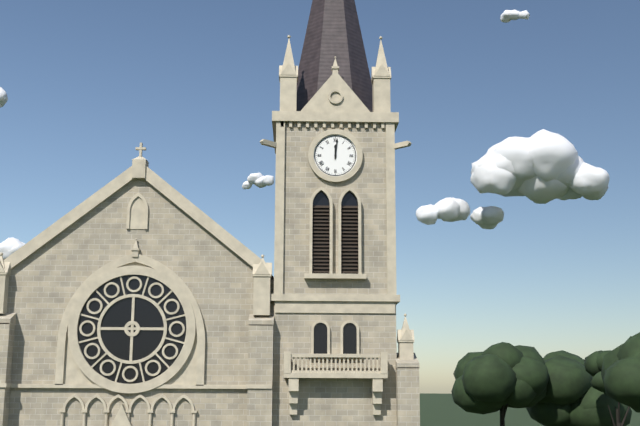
**12:01**
